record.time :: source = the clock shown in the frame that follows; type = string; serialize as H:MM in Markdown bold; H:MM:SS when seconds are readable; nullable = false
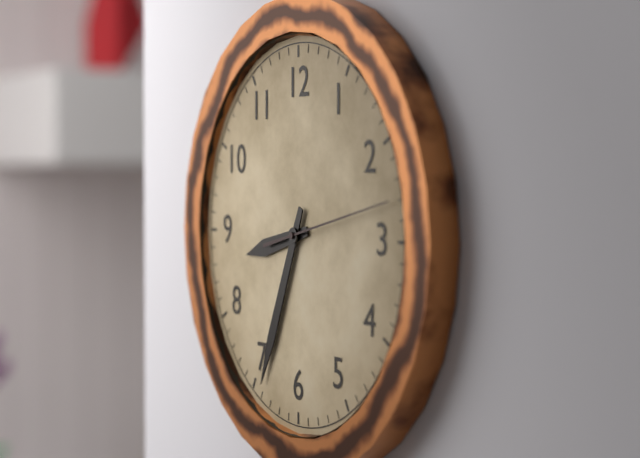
**8:34:13**
